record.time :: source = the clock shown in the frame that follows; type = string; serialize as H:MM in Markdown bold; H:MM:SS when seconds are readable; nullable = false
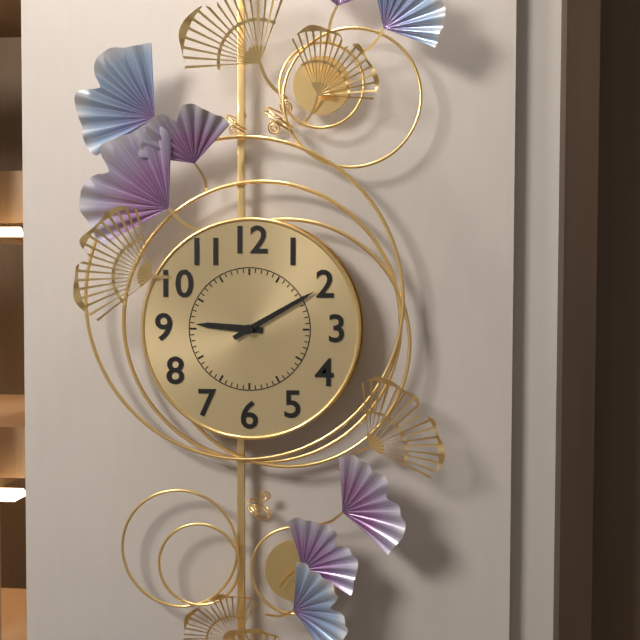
**9:10**
